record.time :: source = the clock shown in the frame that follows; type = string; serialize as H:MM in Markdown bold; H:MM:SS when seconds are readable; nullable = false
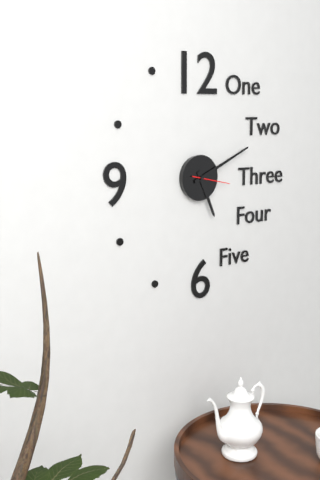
**5:11**
